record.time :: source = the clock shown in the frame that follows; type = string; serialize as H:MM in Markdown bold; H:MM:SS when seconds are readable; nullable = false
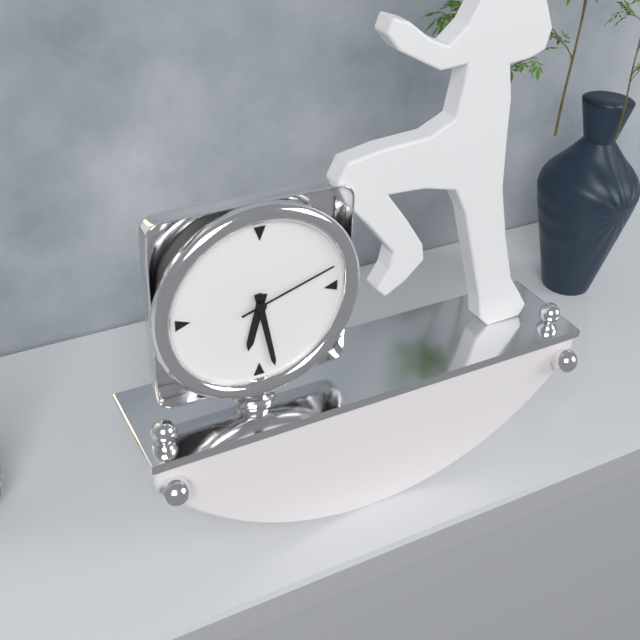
**6:28:12**
